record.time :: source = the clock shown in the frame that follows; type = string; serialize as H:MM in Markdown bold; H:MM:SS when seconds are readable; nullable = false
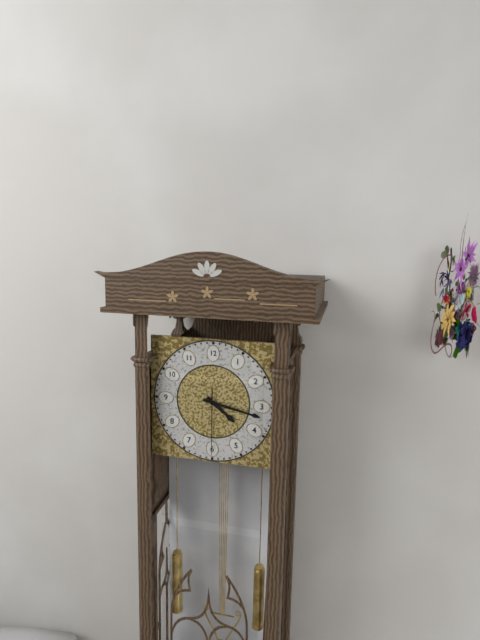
**4:17:30**
